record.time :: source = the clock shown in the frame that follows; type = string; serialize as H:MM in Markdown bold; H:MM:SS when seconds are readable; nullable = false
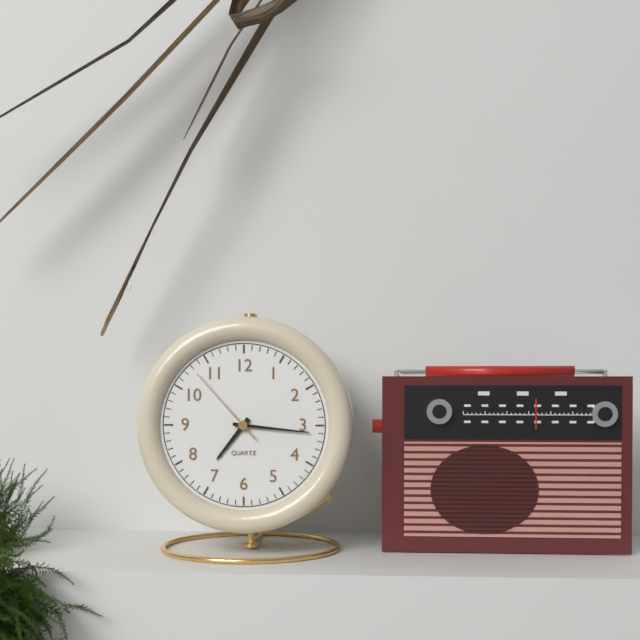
**7:16:53**
